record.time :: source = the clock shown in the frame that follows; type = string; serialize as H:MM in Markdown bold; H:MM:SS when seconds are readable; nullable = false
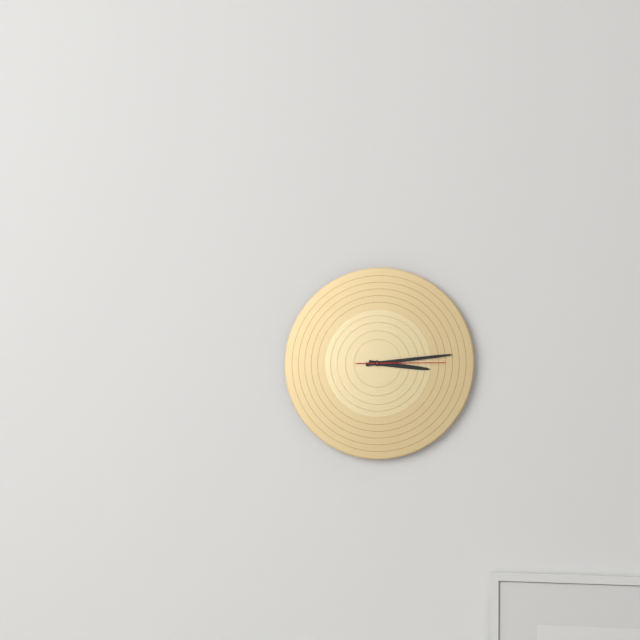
**3:14:15**
